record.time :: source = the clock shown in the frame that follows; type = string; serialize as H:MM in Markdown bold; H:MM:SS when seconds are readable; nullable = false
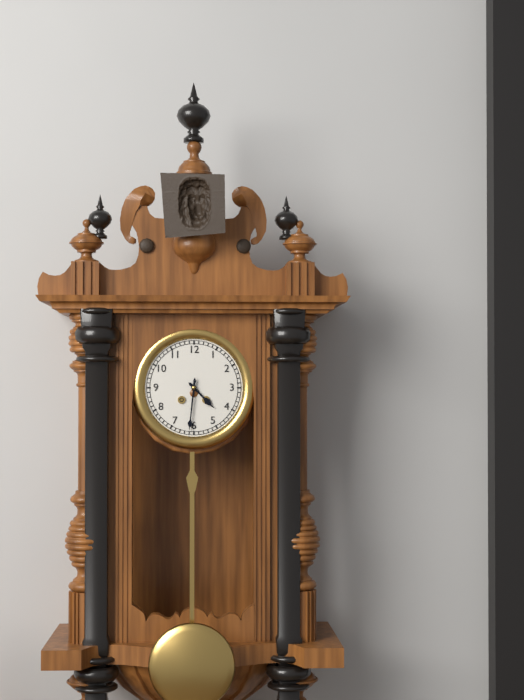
**4:31**
